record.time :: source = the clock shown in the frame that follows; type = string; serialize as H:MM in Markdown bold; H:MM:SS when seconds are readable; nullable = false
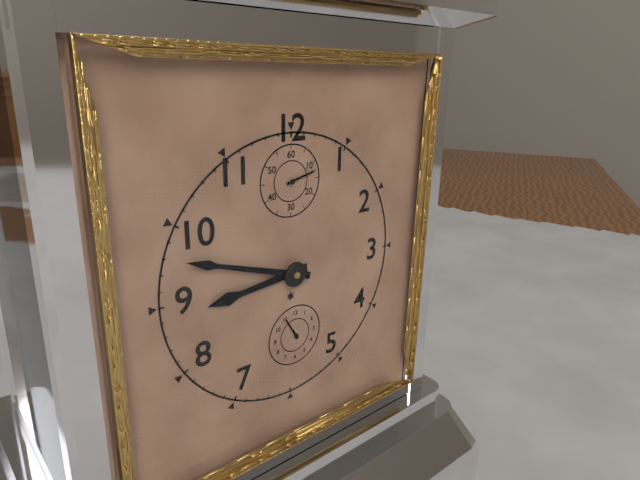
**8:48**
